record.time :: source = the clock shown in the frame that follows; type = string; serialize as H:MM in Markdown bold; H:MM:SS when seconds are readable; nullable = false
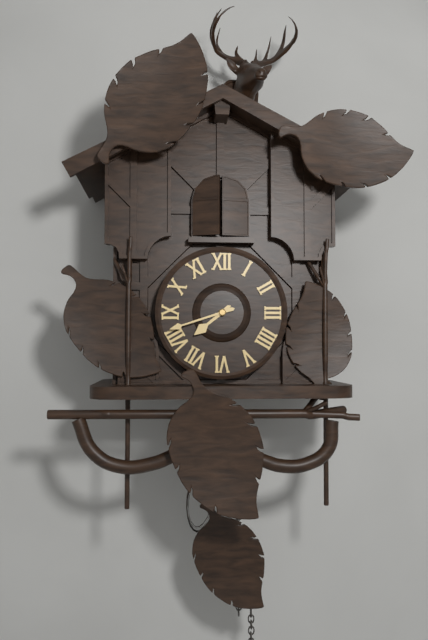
**7:42**
